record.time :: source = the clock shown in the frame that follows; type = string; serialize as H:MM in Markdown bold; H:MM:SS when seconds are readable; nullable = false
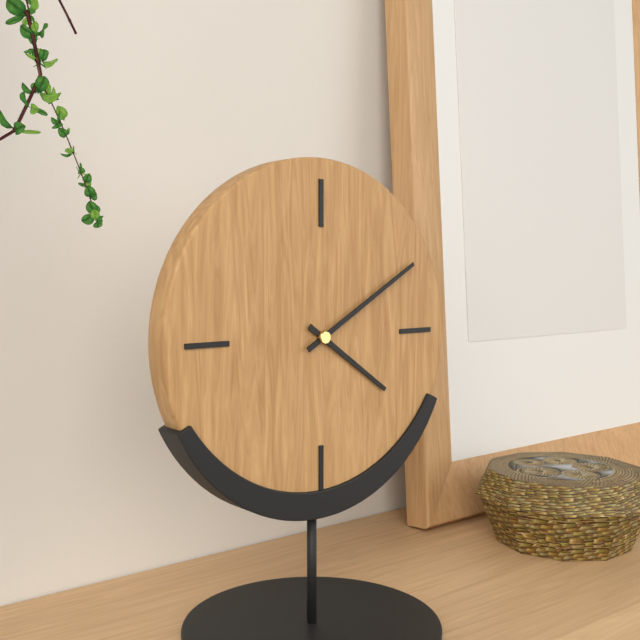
**4:10**
